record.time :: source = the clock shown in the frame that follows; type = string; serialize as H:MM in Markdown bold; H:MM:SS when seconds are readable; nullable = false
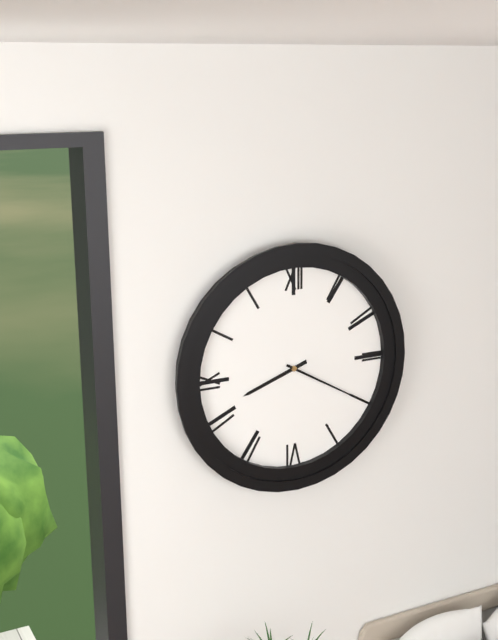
**8:20**
